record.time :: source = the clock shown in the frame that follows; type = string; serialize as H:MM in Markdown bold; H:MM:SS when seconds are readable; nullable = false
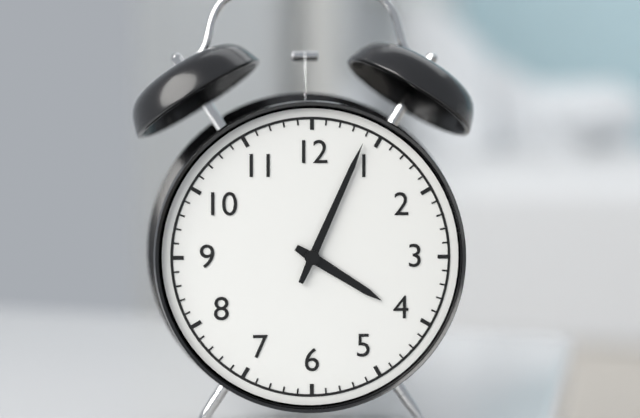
**4:04**
